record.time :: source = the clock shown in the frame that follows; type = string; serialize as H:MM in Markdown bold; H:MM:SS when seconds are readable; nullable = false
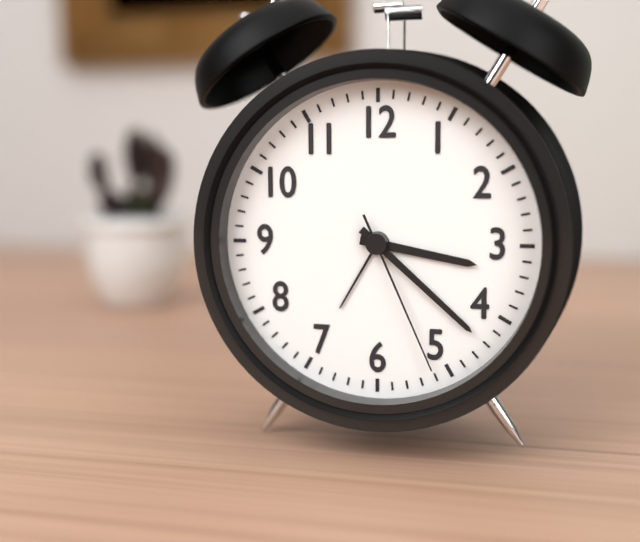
**3:22:26**
